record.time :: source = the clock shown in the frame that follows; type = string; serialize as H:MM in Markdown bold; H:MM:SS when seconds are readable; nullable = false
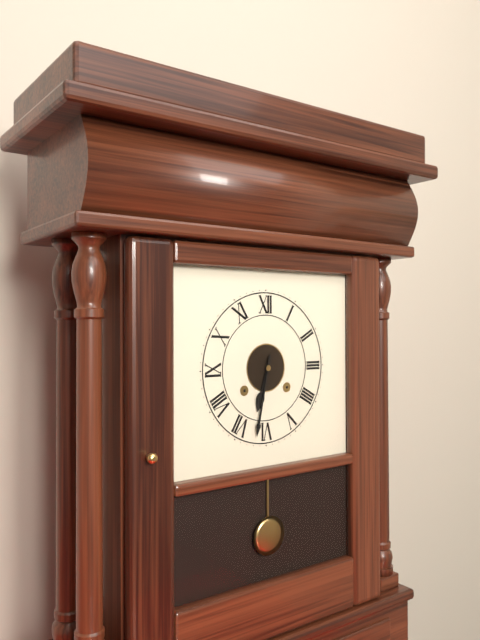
**6:32**
